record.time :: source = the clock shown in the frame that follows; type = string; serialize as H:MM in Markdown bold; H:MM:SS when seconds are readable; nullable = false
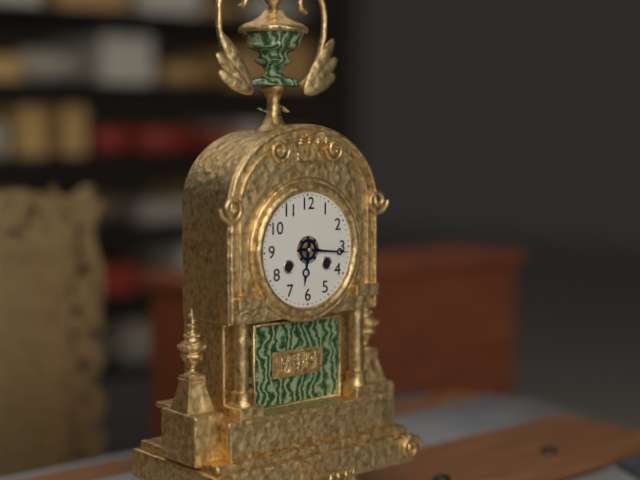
**6:16**
